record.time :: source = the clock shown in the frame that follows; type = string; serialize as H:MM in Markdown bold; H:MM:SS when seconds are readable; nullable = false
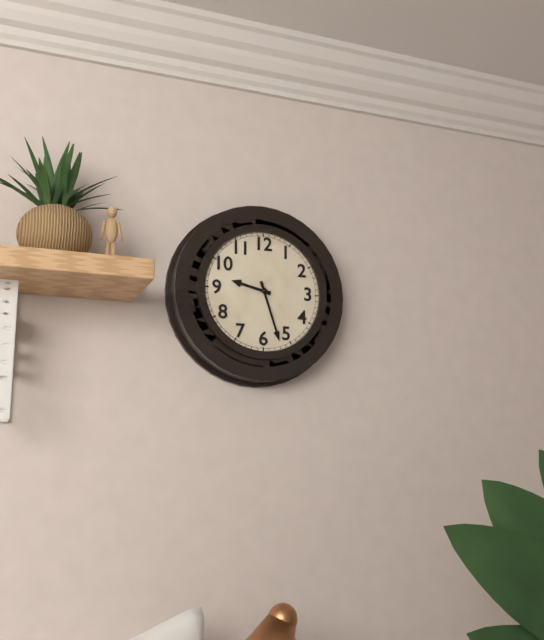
**9:27**
